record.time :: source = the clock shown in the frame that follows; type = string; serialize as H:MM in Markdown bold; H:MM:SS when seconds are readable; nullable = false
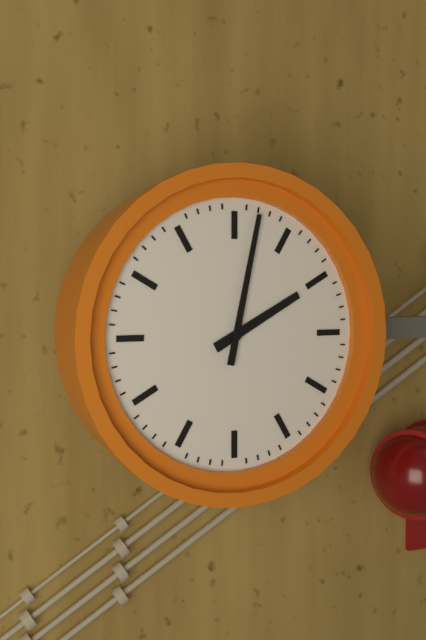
**2:02**
